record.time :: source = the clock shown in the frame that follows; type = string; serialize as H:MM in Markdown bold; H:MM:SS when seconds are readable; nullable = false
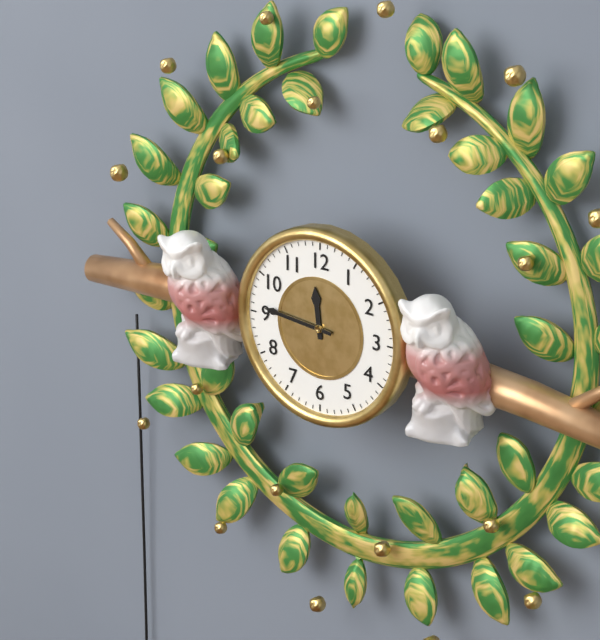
**11:46**
